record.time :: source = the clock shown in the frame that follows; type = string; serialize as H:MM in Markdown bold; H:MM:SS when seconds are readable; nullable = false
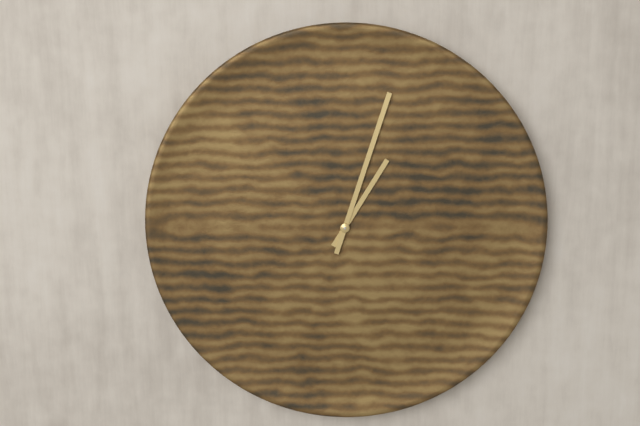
**1:03**
